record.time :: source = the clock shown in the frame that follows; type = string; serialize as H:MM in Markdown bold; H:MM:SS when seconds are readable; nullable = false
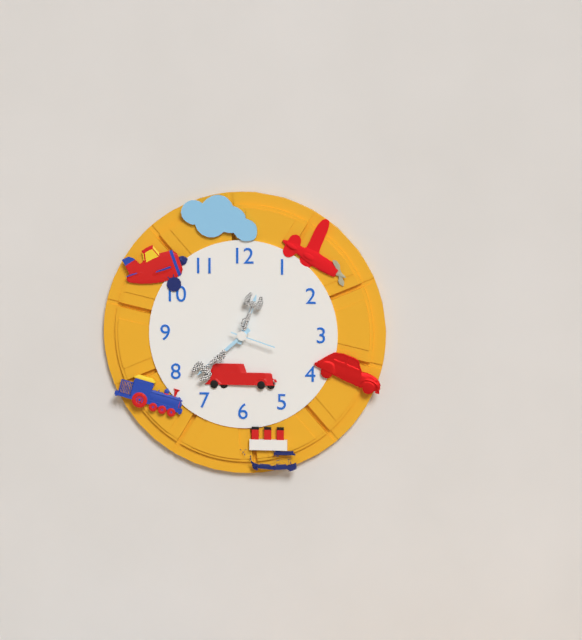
**12:38**
